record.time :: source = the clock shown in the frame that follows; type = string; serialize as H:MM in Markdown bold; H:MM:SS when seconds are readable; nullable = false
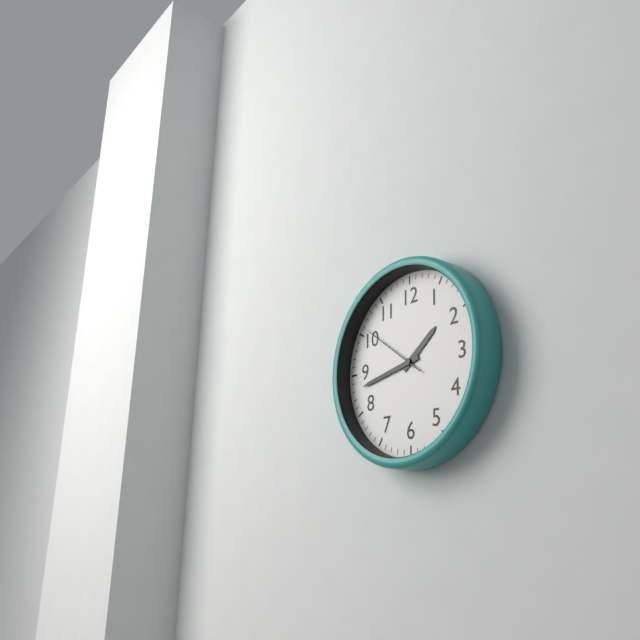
**1:43:51**
